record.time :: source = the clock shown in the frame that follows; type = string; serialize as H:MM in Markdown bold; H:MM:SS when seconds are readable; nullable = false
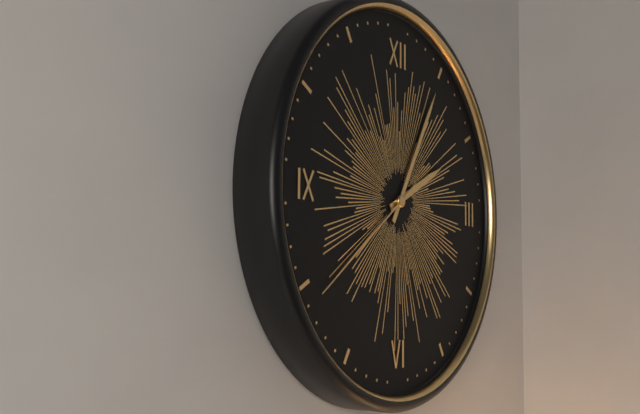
**2:05:39**
